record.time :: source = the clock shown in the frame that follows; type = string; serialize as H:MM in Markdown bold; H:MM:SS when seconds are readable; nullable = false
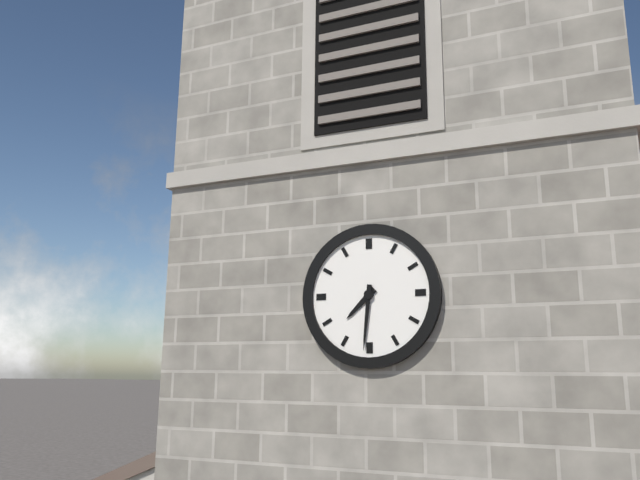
**7:31**
